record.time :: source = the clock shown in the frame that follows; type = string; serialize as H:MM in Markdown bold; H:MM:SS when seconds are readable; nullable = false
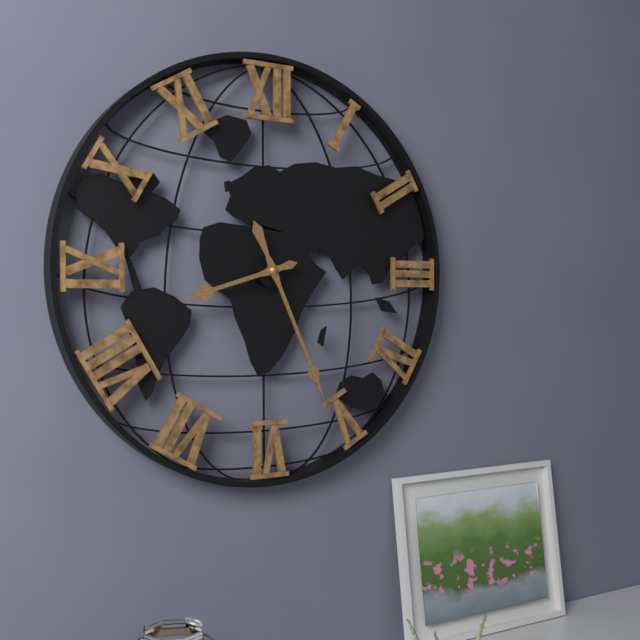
**8:26**
